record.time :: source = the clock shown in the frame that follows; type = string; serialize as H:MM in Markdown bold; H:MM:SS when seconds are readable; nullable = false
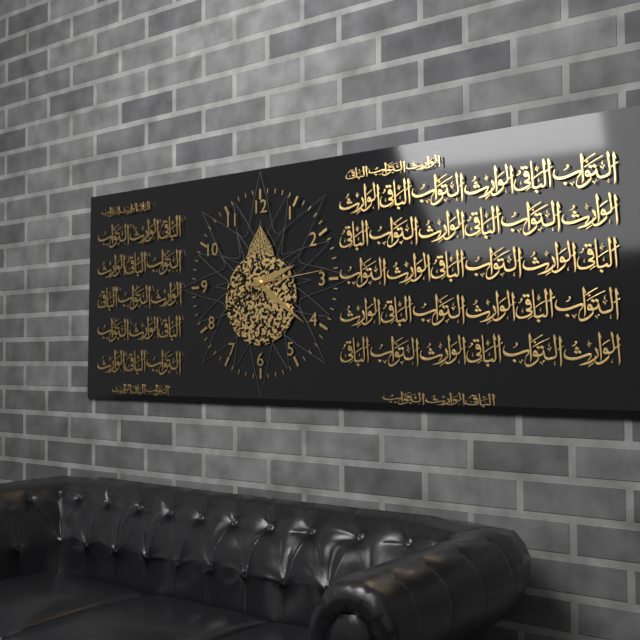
**2:21:14**
